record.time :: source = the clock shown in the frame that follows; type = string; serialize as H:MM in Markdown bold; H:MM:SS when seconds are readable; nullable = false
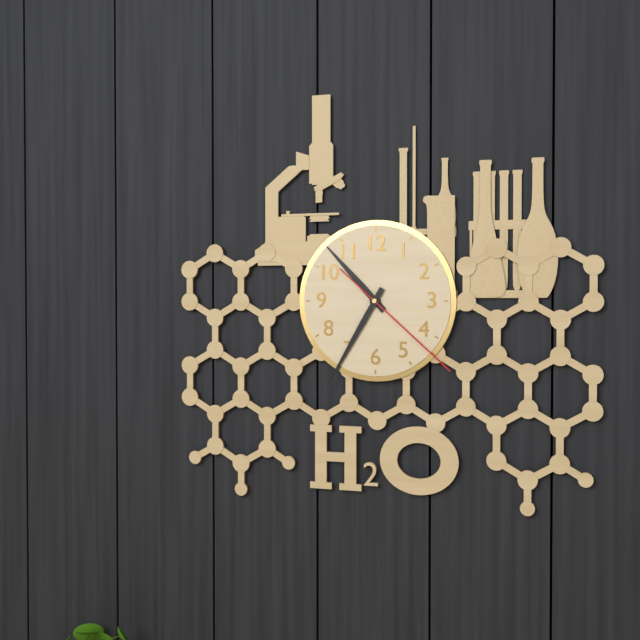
**10:35:22**
